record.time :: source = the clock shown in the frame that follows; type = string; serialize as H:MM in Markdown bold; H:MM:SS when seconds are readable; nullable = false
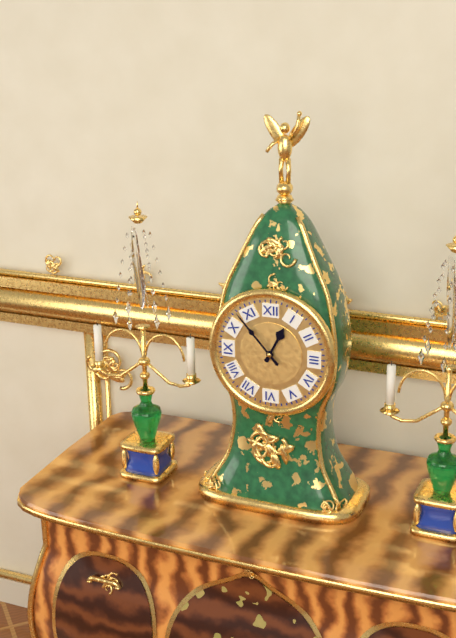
**12:53**
